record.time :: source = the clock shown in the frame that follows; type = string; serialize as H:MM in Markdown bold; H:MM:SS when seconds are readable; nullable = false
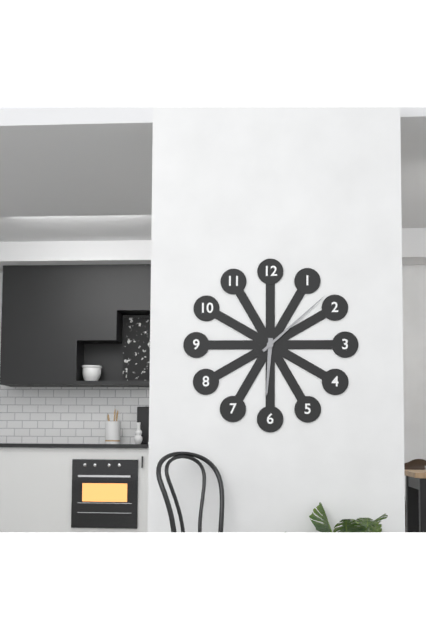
**6:08**
